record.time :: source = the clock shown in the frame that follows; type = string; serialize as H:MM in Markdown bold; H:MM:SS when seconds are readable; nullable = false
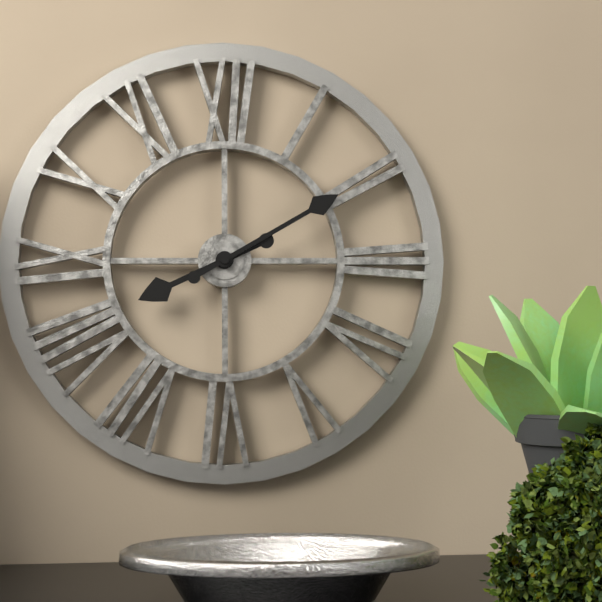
**8:10**
